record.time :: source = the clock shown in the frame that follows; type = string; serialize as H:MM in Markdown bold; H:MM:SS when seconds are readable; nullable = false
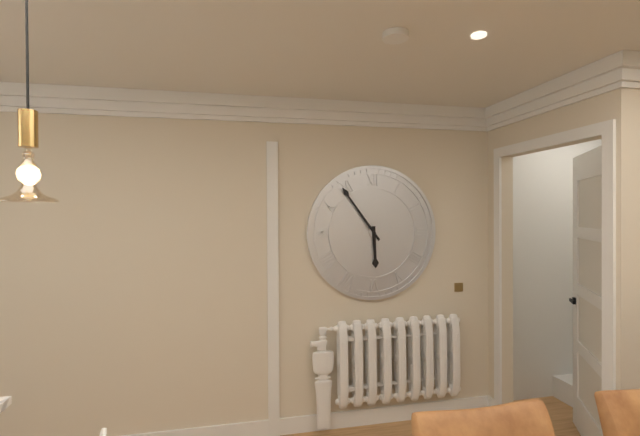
**5:54**
